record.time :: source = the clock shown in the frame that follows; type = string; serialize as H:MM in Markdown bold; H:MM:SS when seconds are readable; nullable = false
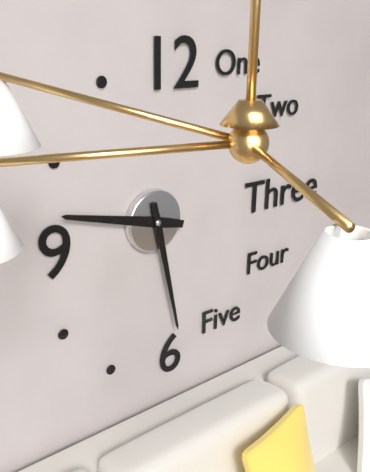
**9:28**
